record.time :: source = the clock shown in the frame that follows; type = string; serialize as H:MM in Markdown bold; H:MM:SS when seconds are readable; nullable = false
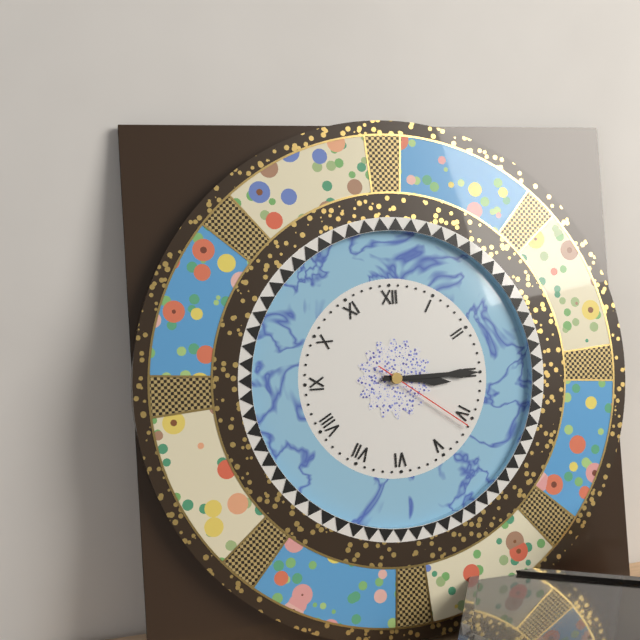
**3:15:21**
